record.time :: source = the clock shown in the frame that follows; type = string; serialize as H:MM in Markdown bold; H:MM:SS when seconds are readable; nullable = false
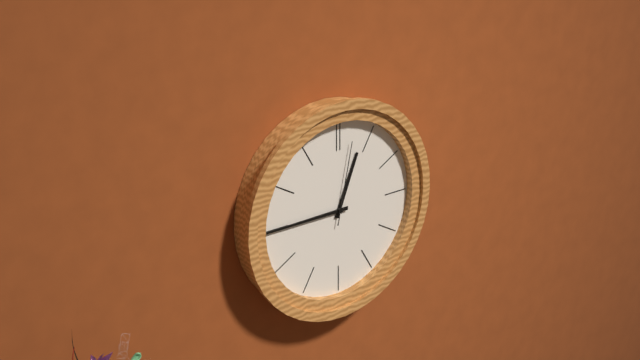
**12:45:02**
